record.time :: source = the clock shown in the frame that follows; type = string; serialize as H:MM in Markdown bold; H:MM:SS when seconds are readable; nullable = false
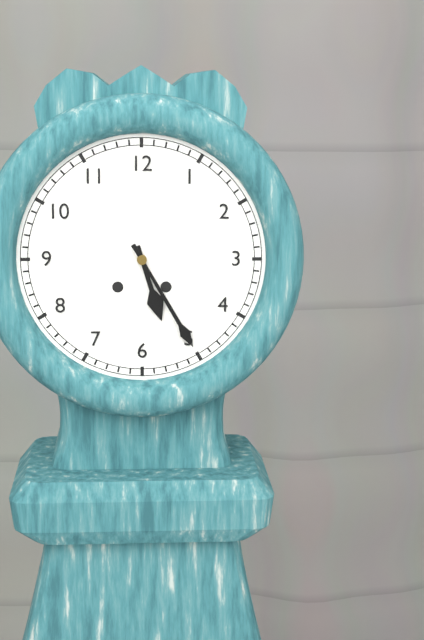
**5:25**
